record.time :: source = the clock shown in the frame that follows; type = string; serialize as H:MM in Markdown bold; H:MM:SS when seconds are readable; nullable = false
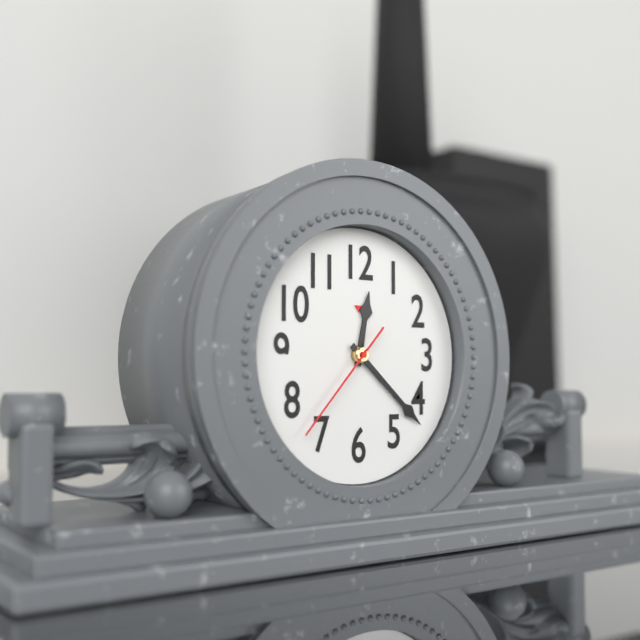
**12:22:37**
